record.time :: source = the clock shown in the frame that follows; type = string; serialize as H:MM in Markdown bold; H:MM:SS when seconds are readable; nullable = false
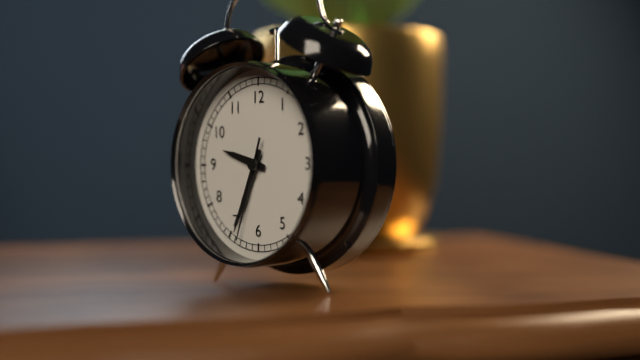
**9:34:33**
